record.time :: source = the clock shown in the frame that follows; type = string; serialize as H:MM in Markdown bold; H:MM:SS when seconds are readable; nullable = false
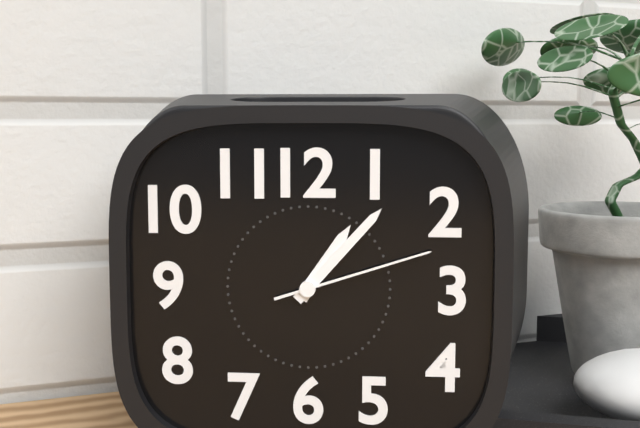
**1:07:12**
